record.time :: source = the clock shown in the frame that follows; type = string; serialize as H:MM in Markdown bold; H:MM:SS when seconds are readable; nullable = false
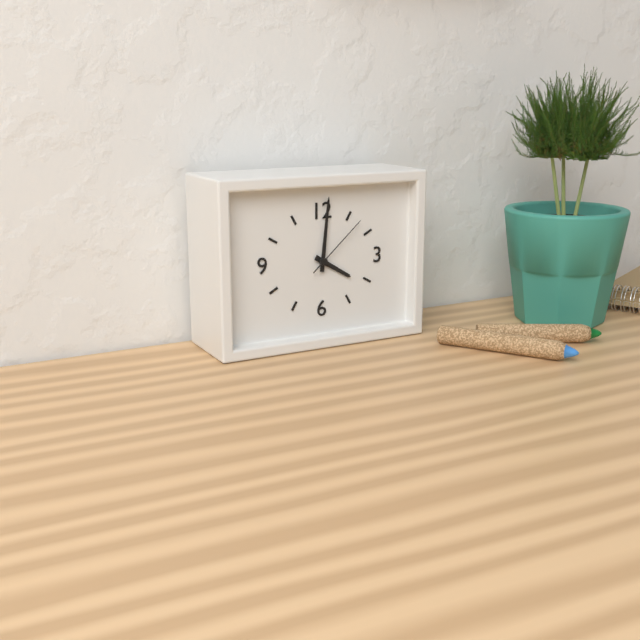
**4:01:08**
